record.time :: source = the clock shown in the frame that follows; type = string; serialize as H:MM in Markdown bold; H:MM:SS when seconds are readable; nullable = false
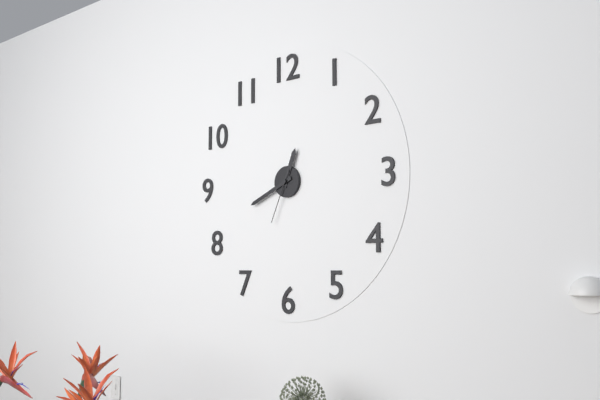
**12:41:34**
